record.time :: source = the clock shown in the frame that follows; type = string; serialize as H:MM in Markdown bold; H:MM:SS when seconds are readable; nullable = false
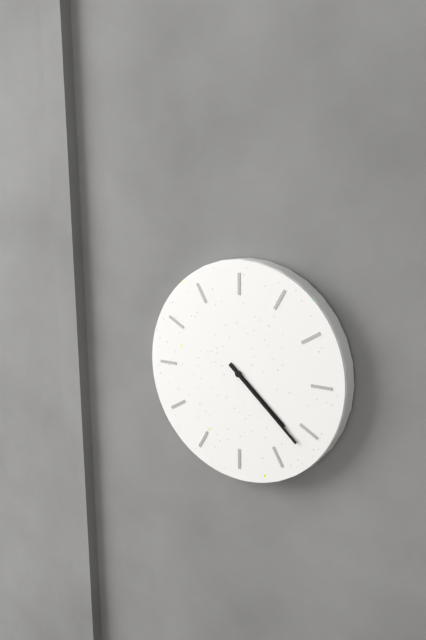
**4:22**
